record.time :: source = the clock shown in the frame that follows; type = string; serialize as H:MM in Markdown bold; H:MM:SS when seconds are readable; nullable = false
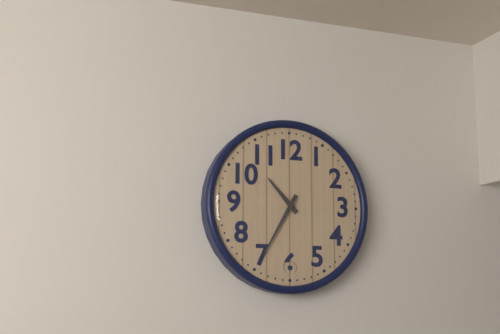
**10:35**
